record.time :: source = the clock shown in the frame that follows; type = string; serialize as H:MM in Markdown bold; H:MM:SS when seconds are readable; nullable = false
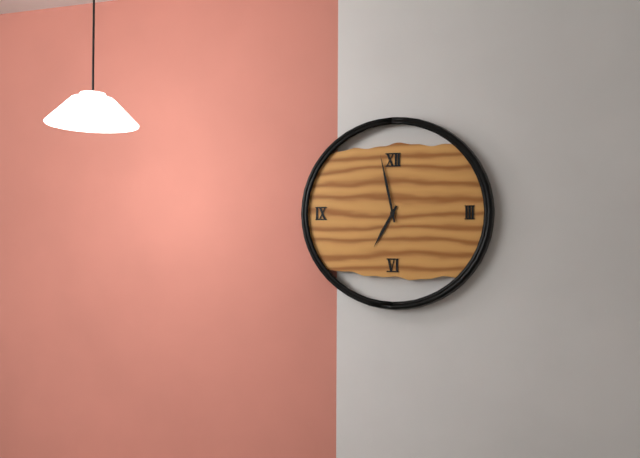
**6:58**
